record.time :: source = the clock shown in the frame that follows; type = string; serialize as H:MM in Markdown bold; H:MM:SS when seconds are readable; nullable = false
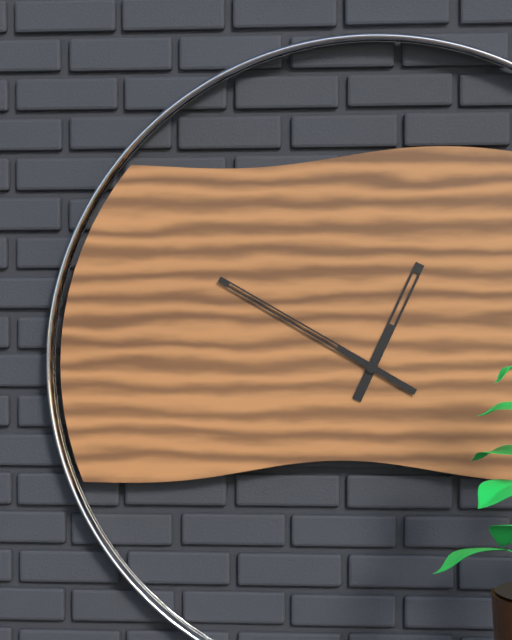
**12:50**
